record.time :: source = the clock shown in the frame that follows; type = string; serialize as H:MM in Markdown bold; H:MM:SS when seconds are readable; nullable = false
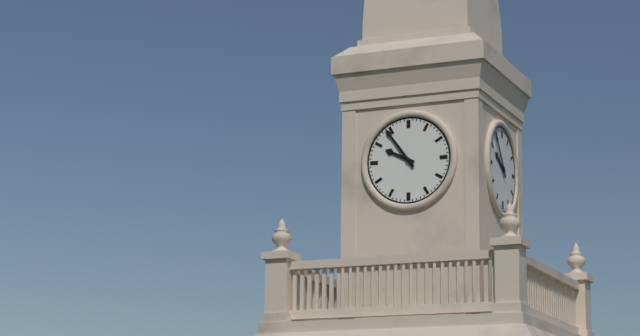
**9:54**
